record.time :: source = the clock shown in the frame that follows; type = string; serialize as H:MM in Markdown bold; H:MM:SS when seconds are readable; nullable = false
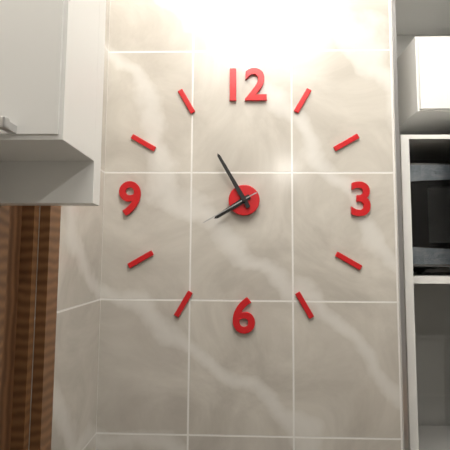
**7:55:40**
